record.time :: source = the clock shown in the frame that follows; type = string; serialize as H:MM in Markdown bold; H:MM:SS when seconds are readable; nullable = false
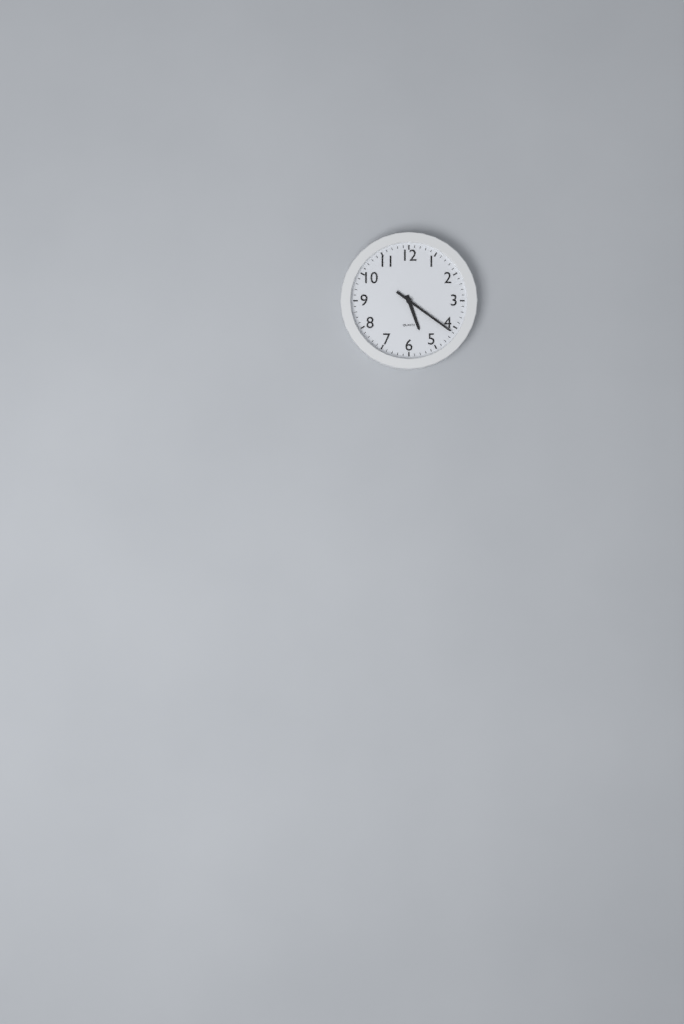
**5:21**
